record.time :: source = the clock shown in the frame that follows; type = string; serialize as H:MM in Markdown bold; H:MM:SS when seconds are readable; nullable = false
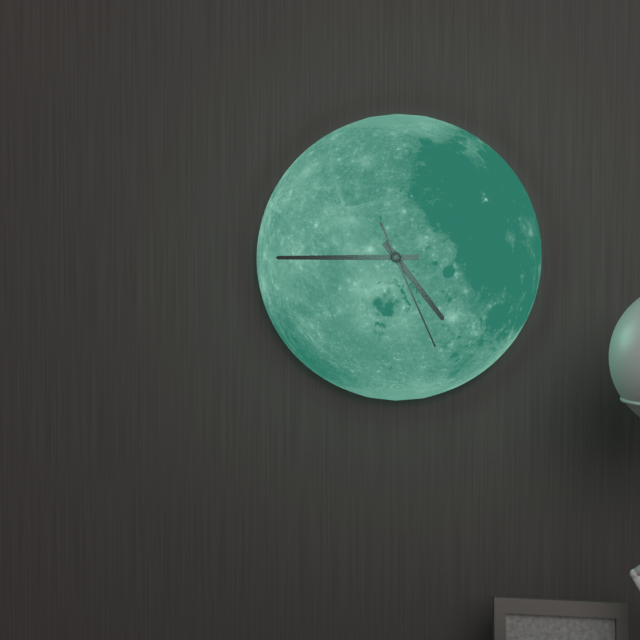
**4:45:26**
